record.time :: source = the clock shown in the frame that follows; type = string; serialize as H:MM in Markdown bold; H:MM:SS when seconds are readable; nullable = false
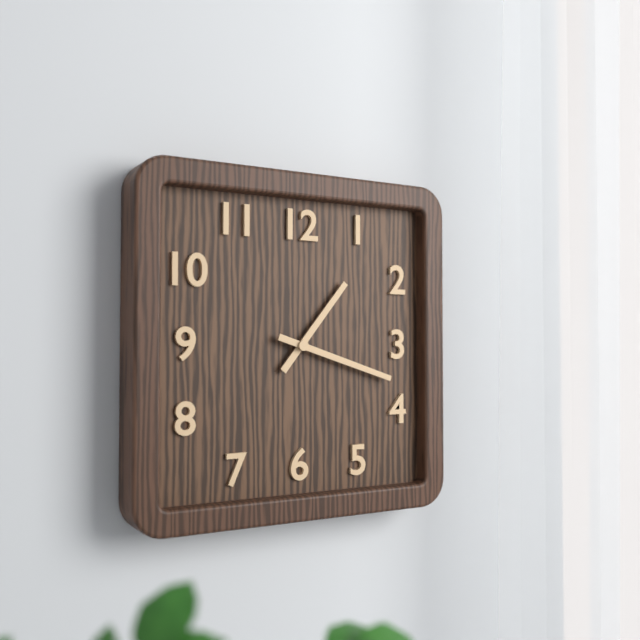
**1:18**
